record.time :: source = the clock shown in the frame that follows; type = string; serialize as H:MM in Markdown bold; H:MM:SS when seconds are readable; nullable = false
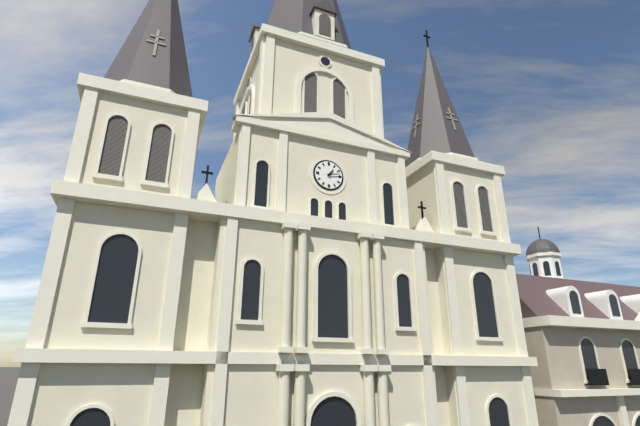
**1:13**
